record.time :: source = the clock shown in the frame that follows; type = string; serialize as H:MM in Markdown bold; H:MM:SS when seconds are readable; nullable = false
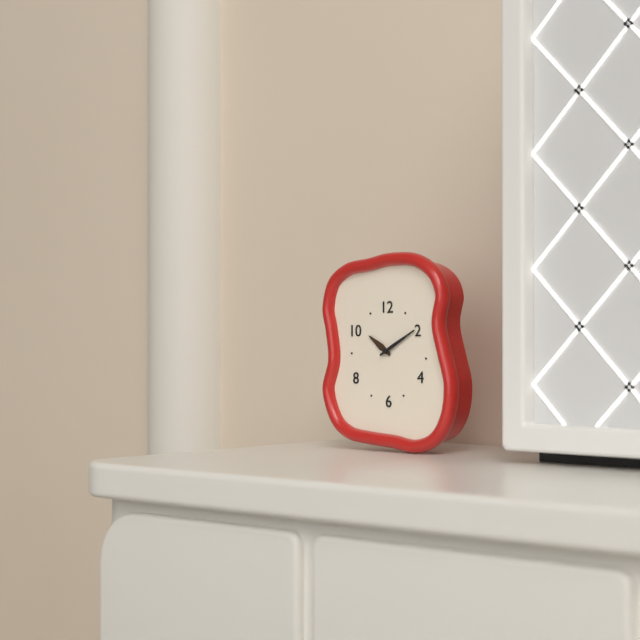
**10:10**
